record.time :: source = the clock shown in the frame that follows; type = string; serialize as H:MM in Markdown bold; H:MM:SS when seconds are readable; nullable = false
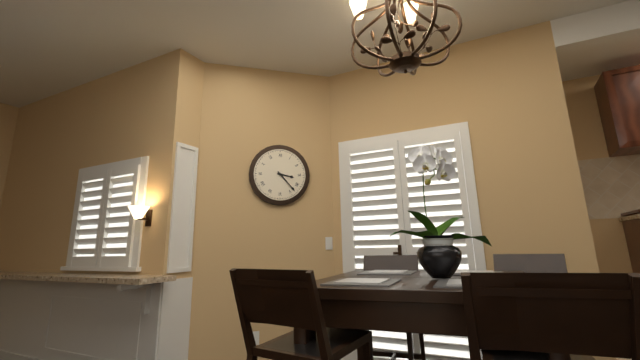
**3:23**
